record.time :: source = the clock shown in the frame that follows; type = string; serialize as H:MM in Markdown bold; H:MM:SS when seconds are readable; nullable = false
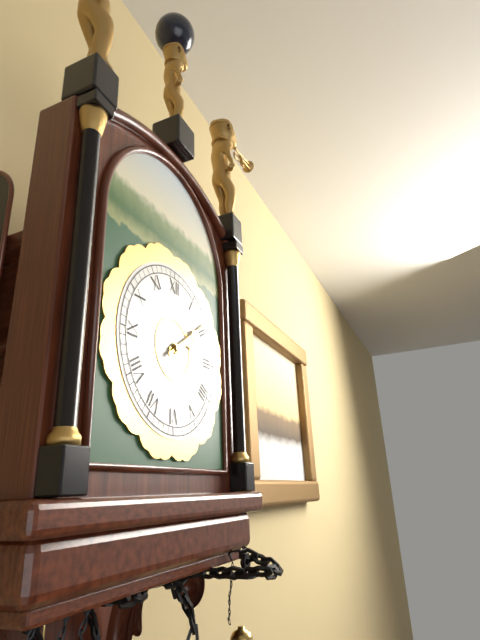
**2:09**
